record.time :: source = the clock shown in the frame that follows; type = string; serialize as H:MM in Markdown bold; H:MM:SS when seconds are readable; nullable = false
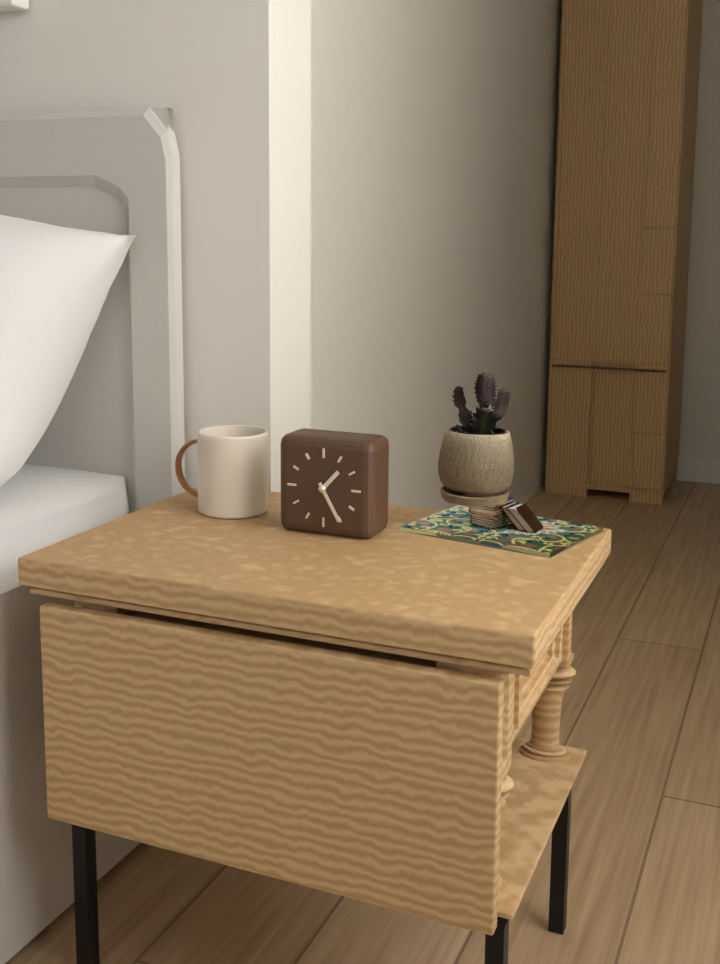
**1:25**
